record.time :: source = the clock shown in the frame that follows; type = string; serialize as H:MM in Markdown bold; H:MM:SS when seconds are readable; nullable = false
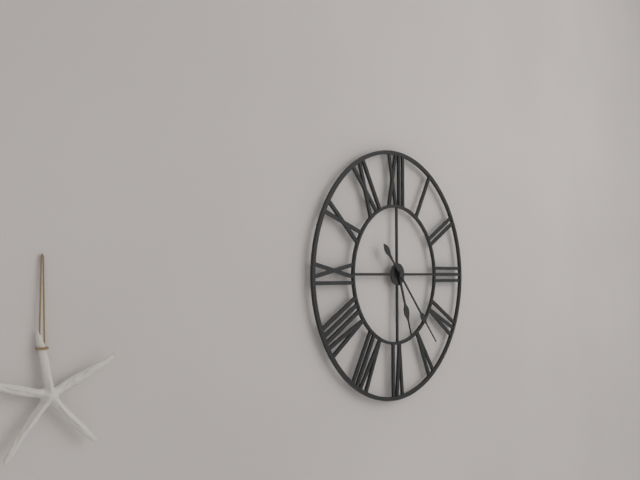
**5:23**
